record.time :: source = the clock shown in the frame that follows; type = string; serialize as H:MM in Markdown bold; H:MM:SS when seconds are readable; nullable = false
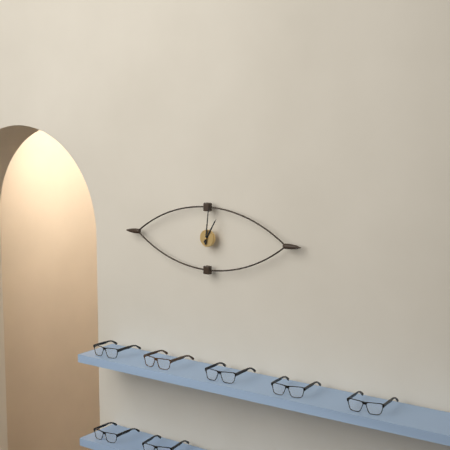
**1:01**
